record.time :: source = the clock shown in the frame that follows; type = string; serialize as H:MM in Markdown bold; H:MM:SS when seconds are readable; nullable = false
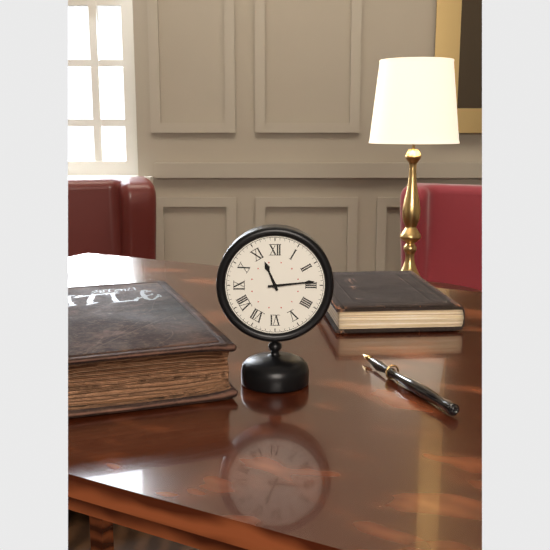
**11:14**
